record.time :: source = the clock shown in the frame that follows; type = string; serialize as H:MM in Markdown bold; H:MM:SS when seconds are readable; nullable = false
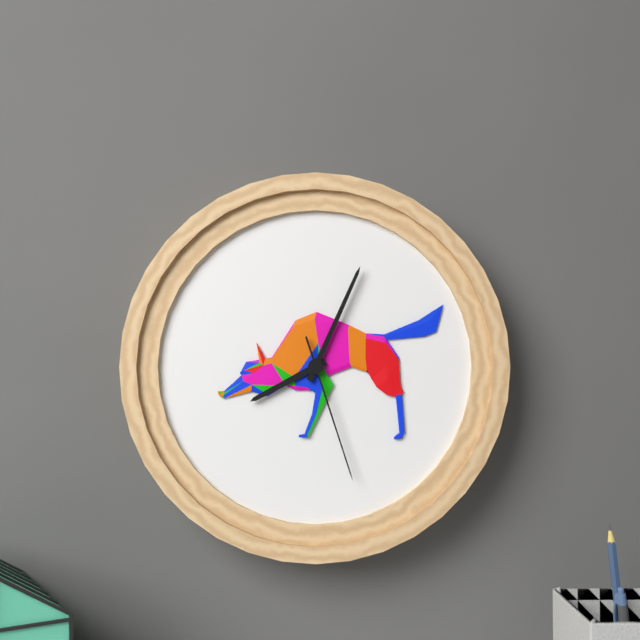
**8:04:27**
